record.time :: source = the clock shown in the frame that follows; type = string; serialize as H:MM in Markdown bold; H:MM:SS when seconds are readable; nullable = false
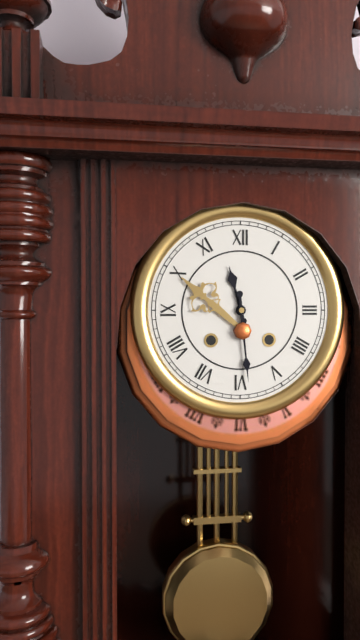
**11:29**
